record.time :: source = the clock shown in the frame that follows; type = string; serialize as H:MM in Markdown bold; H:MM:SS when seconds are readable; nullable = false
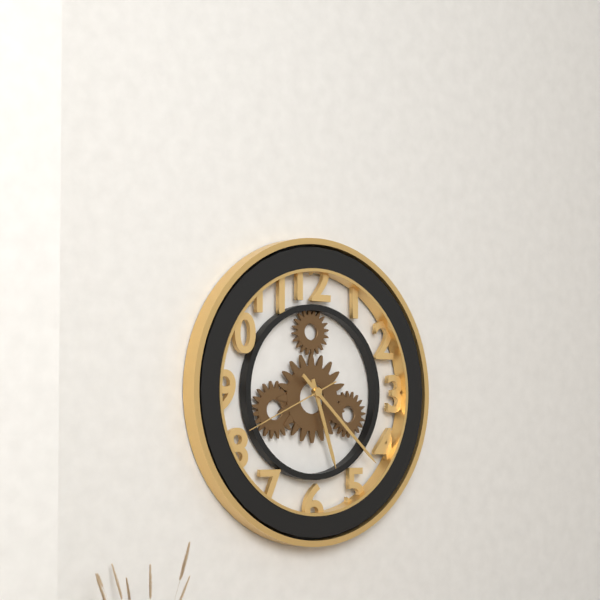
**5:22:41**
